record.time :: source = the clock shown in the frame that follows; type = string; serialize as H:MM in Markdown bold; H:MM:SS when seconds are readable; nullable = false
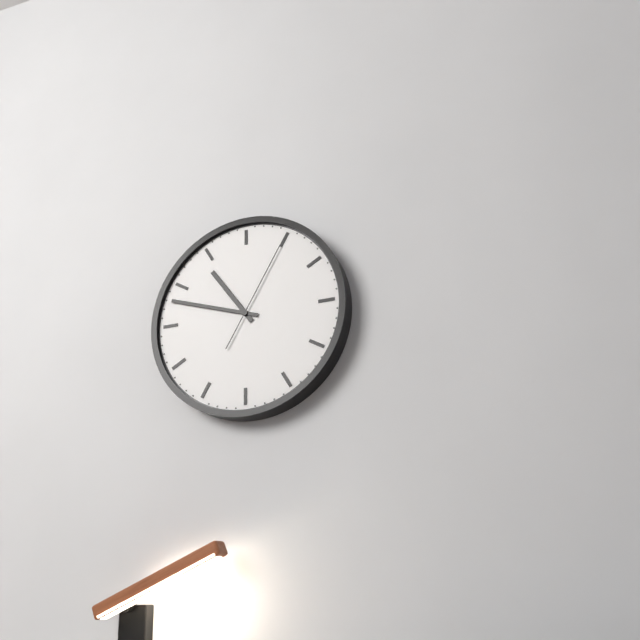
**10:48:05**
